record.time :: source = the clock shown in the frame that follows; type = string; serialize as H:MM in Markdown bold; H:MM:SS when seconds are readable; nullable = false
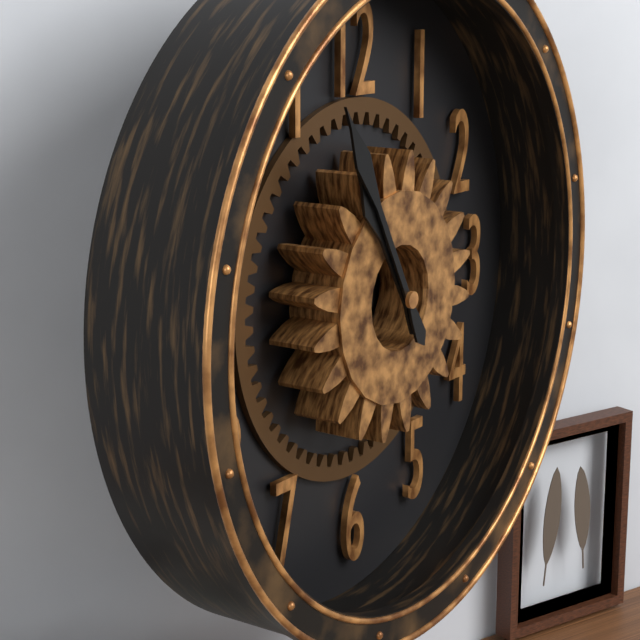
**10:55**
